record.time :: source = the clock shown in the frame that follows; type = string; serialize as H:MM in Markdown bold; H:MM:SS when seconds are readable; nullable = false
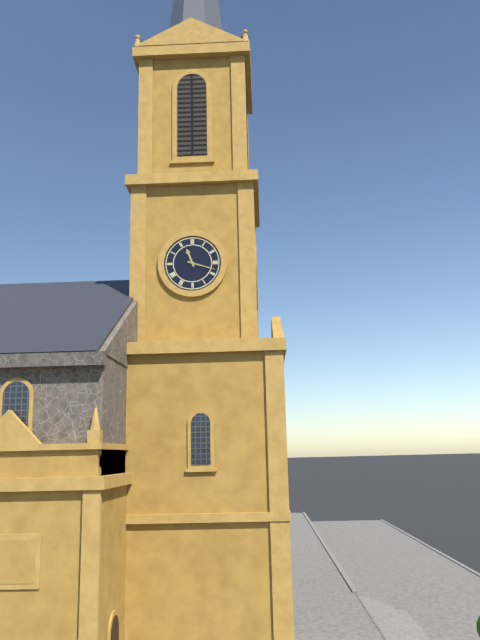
**11:18**
